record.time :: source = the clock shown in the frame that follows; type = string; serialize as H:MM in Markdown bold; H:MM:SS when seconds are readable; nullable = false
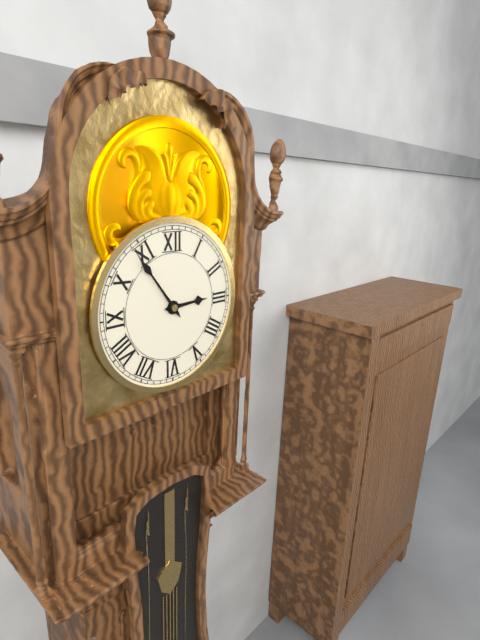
**2:54**
